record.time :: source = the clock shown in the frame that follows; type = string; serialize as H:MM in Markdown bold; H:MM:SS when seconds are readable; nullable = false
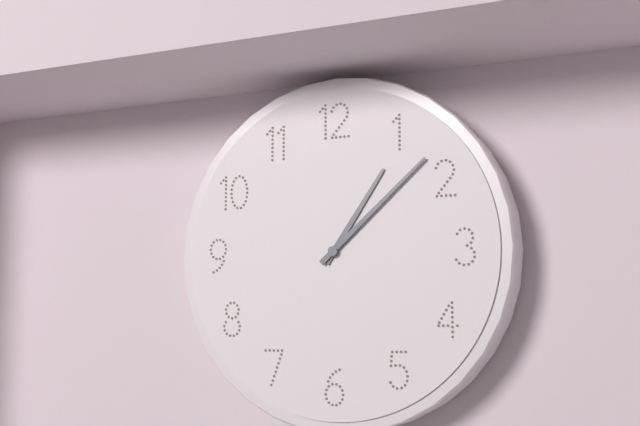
**1:08**
